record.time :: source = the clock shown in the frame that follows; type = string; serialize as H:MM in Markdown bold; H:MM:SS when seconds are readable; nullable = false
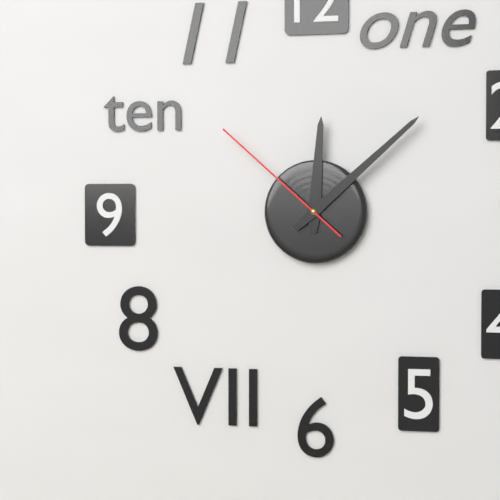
**12:08:52**
